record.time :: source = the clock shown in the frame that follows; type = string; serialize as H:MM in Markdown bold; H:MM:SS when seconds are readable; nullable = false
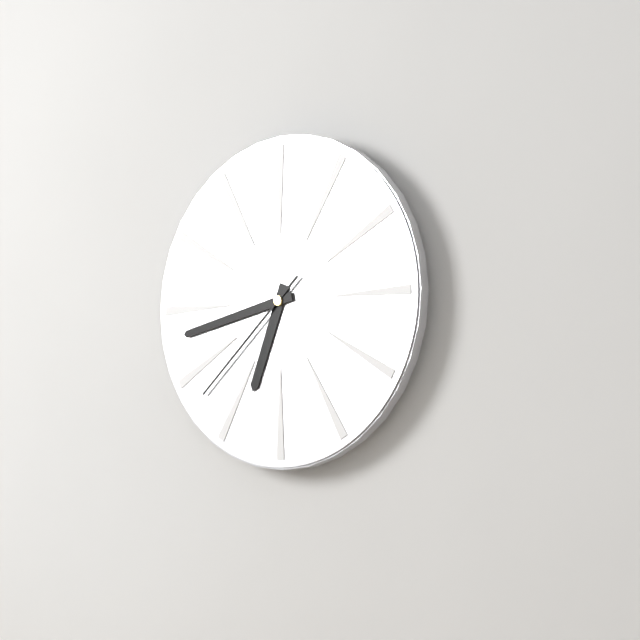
**6:43:38**
